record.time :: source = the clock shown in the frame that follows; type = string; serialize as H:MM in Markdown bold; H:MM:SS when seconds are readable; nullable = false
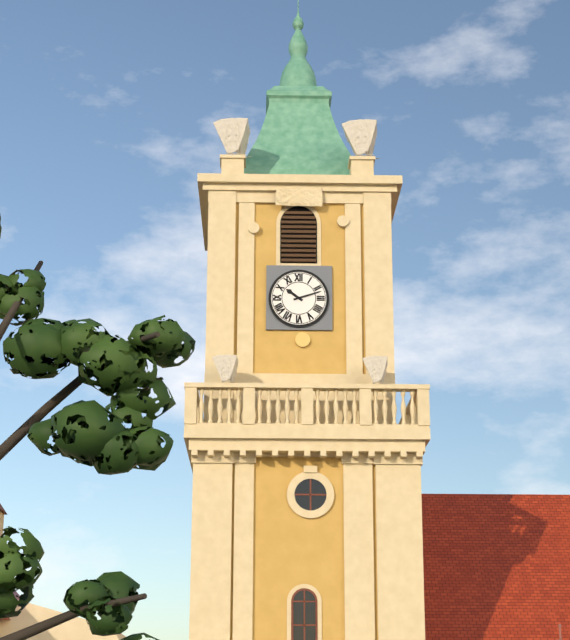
**10:12**
